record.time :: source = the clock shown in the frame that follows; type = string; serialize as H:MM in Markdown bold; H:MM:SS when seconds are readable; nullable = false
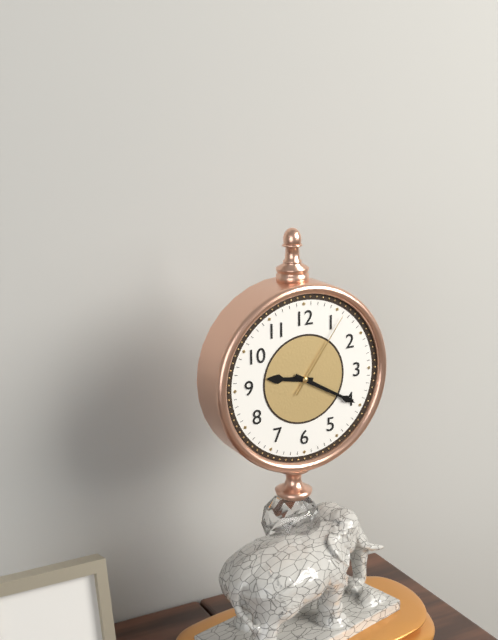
**9:20:06**
